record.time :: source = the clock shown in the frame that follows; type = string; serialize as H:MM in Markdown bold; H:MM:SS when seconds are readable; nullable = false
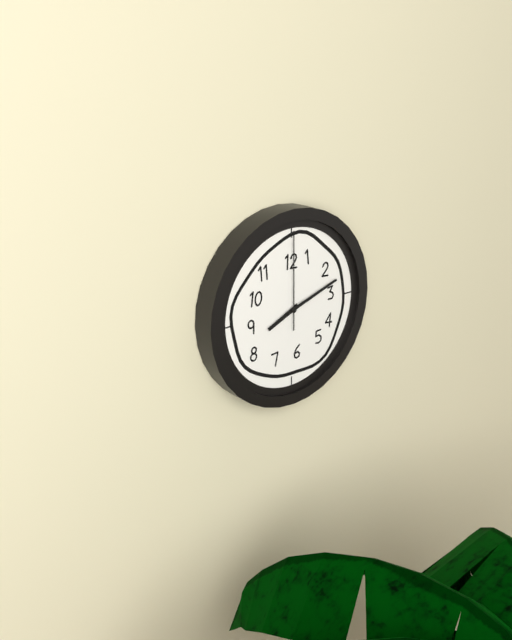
**8:12:00**
